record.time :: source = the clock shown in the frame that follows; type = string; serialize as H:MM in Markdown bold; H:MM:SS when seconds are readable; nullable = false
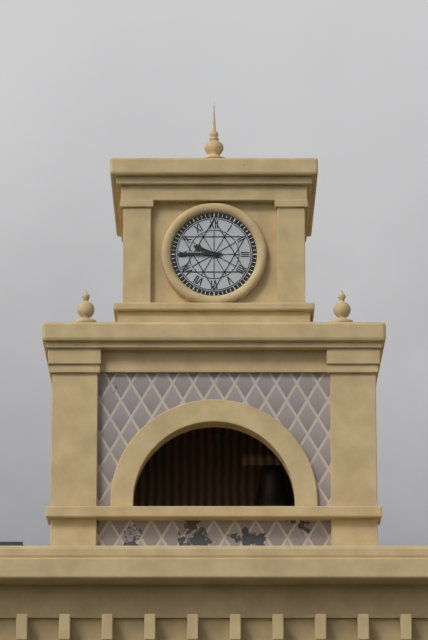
**9:45**
